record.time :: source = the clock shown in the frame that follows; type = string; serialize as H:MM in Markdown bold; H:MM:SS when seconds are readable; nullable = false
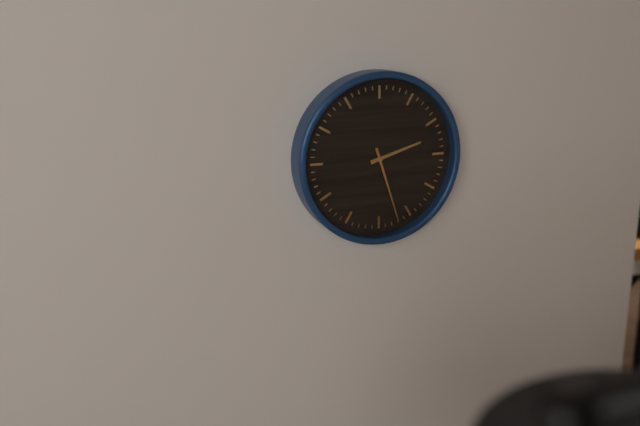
**2:27**
